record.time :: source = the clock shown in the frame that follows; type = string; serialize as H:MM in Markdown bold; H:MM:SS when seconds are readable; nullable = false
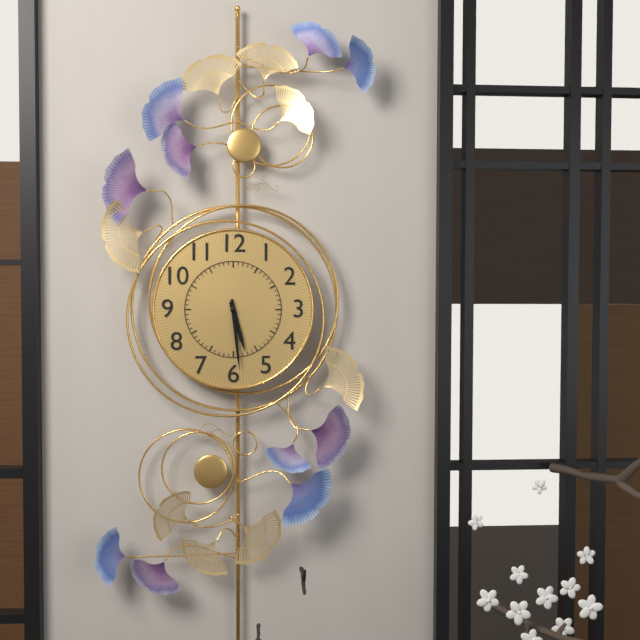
**5:29**
